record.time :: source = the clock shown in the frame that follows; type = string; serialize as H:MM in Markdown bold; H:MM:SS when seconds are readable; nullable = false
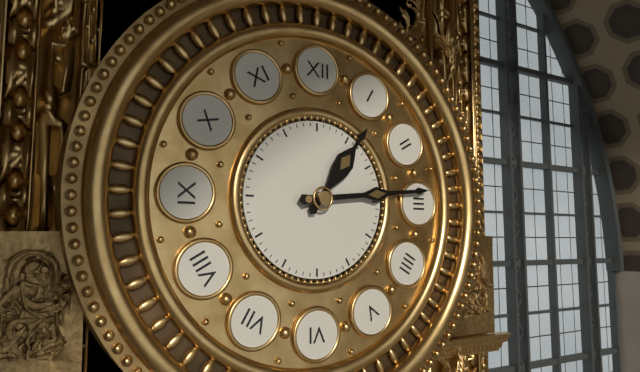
**1:14**
